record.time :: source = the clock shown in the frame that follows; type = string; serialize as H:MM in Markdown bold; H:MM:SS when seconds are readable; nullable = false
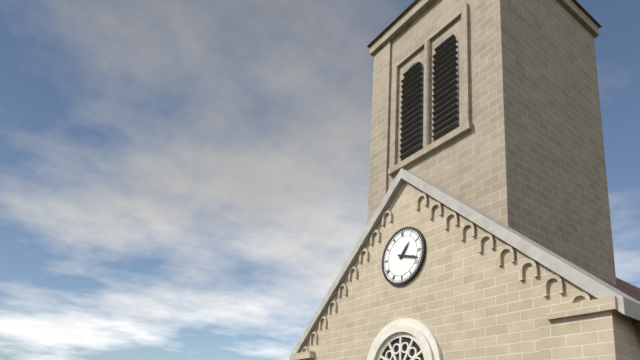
**1:18**
